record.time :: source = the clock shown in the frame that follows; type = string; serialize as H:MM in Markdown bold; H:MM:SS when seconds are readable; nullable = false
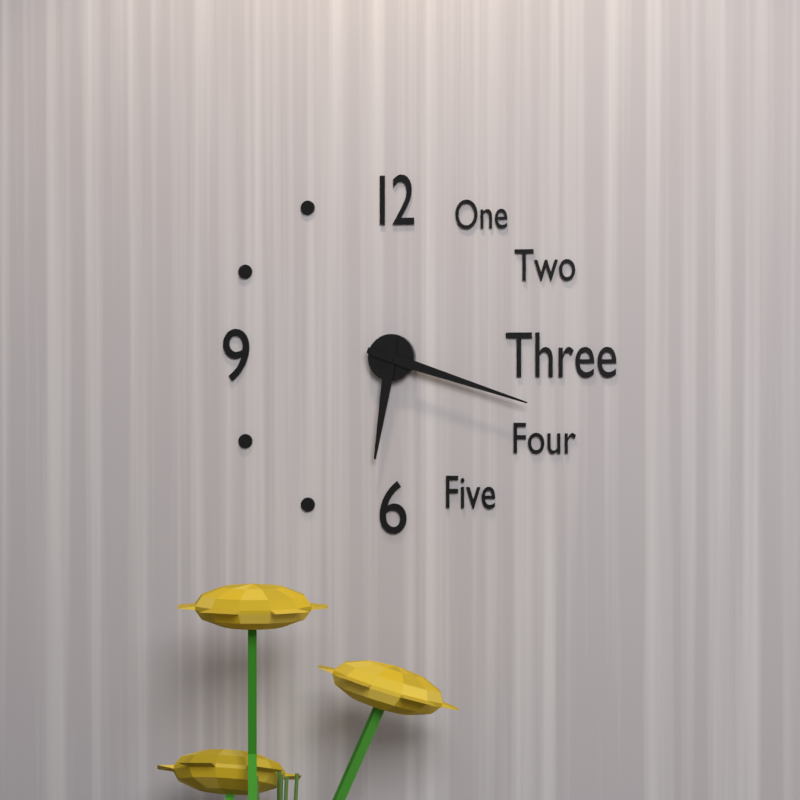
**6:18**
